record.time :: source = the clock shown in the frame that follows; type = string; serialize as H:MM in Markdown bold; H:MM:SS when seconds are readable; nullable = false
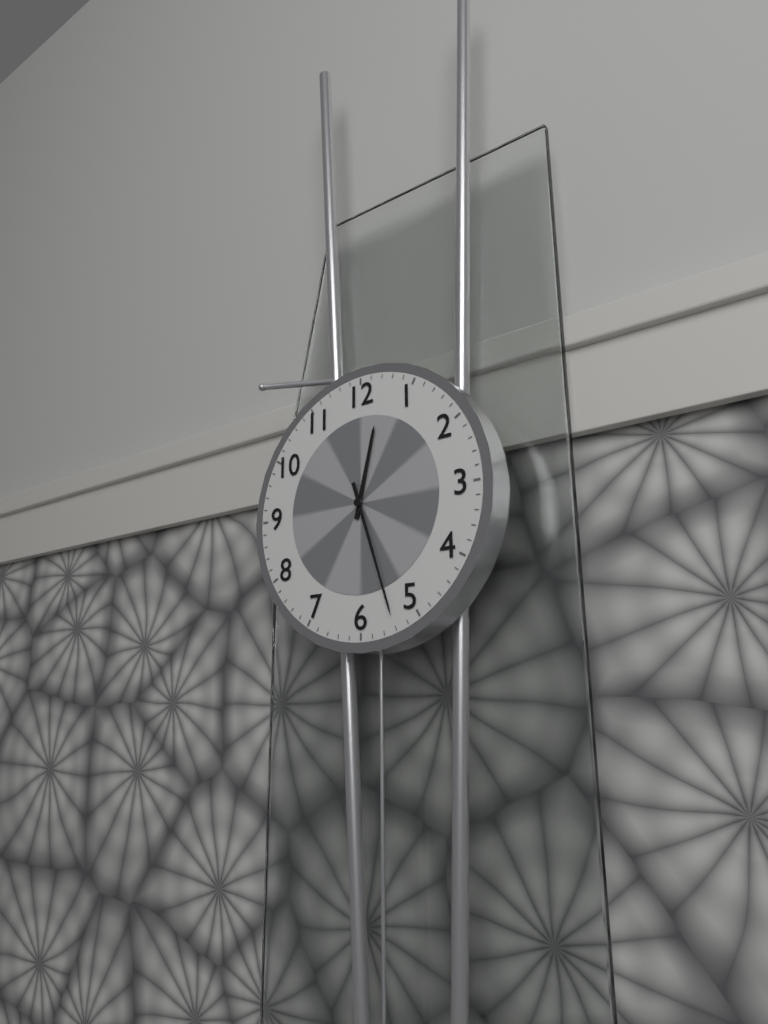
**12:27**
